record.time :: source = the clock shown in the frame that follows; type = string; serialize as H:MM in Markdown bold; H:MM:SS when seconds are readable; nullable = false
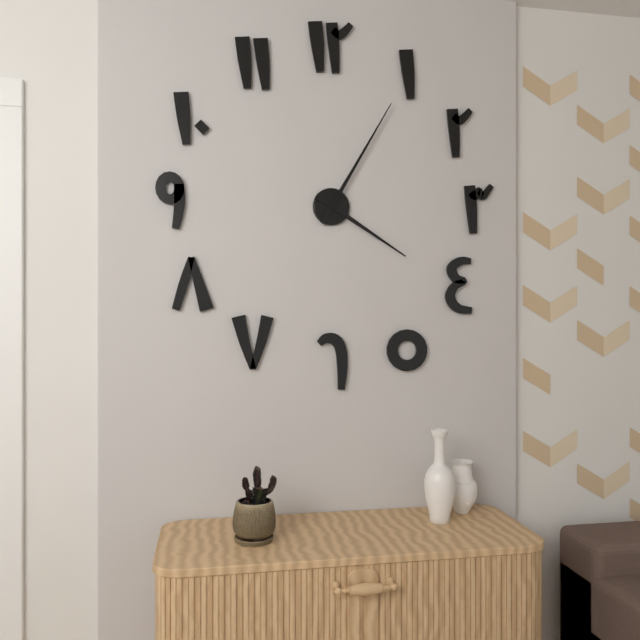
**4:05**
